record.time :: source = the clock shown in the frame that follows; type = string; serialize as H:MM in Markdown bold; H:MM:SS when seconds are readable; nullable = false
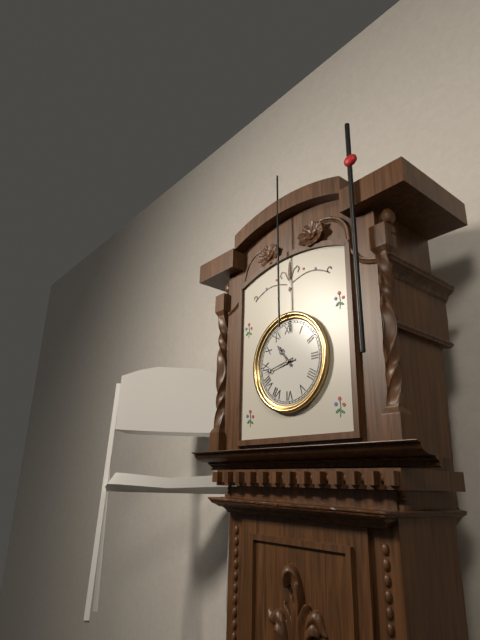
**10:43**
